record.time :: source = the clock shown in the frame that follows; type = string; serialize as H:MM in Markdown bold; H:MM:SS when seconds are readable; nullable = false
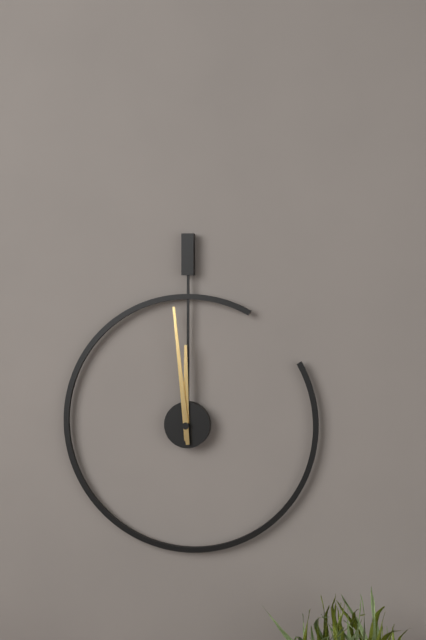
**11:59**
